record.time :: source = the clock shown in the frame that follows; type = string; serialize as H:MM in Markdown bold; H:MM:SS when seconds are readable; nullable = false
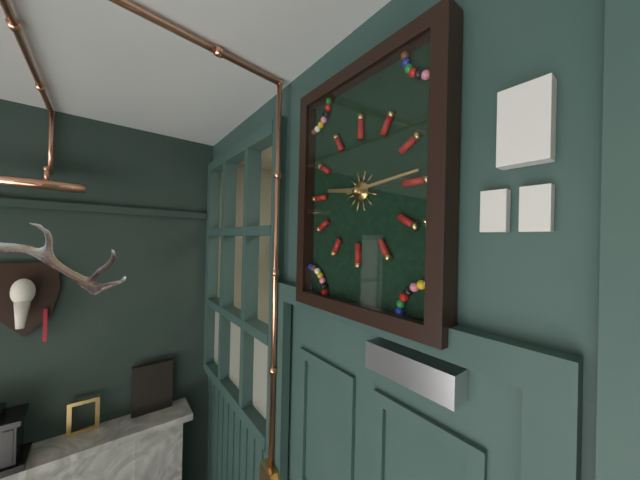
**9:14**
